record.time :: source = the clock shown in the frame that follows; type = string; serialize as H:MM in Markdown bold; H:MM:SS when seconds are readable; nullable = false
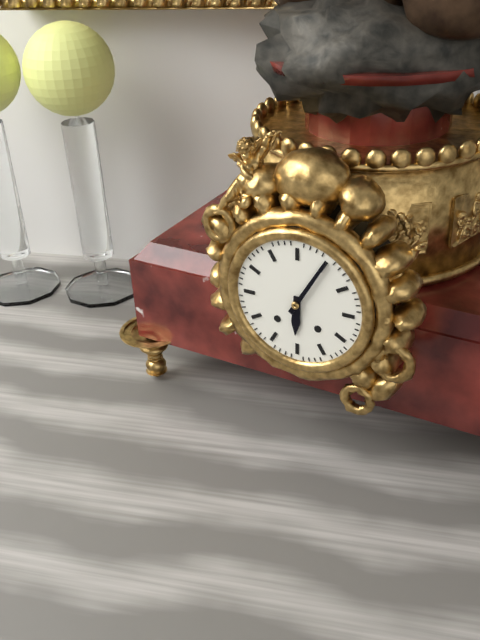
**6:05**
